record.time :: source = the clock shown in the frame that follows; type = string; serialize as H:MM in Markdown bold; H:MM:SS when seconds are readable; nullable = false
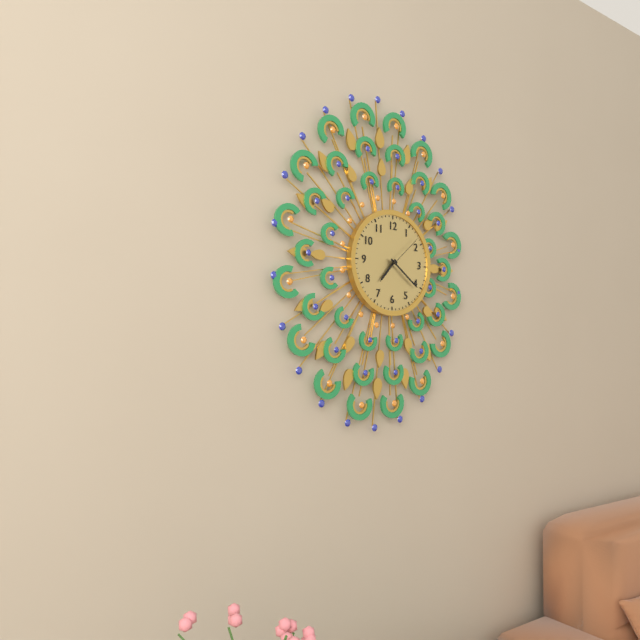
**7:21:08**
